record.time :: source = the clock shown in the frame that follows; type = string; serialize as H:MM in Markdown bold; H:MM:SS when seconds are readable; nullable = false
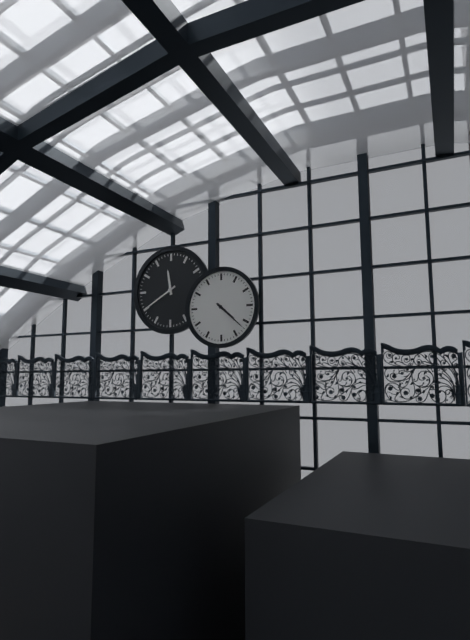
**4:22**
